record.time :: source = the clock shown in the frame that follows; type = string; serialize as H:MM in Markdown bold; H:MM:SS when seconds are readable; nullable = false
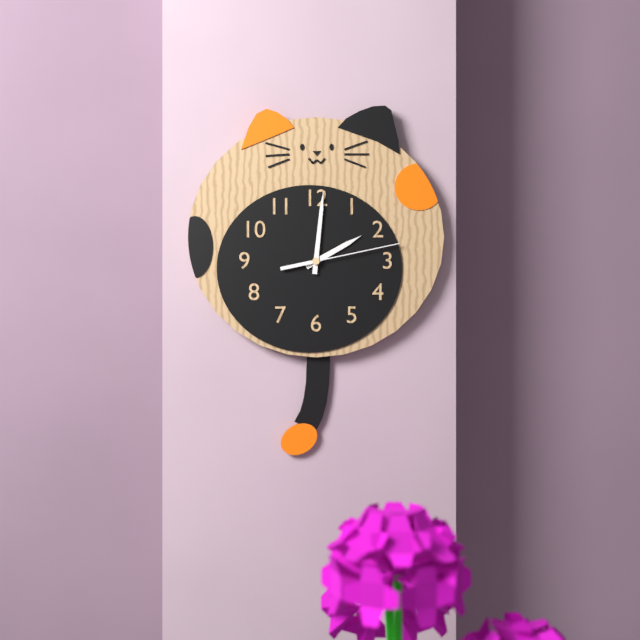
**2:01:13**
